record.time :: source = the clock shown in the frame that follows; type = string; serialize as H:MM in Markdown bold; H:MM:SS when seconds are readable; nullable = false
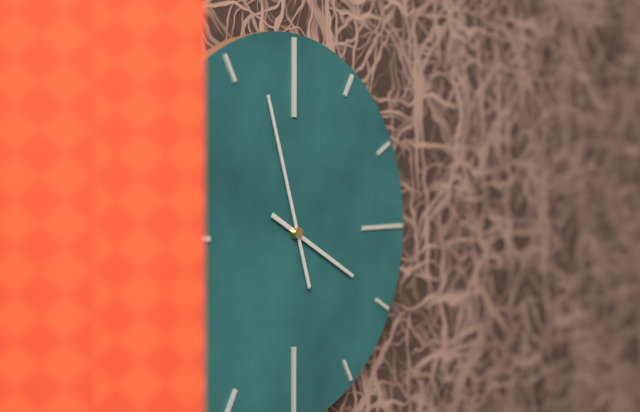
**3:57**
